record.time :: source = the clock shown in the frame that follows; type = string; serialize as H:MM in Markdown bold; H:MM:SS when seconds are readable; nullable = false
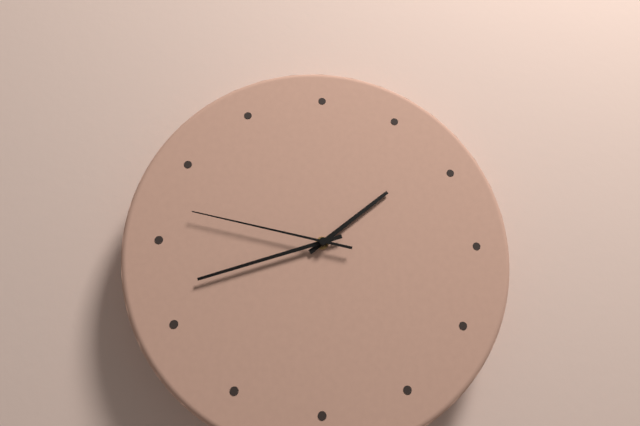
**1:42:47**
